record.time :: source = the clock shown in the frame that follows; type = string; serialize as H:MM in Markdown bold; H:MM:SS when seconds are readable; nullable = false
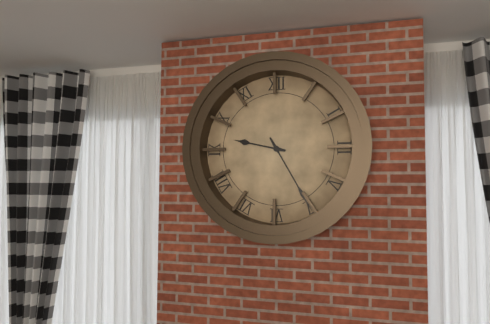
**9:25**
